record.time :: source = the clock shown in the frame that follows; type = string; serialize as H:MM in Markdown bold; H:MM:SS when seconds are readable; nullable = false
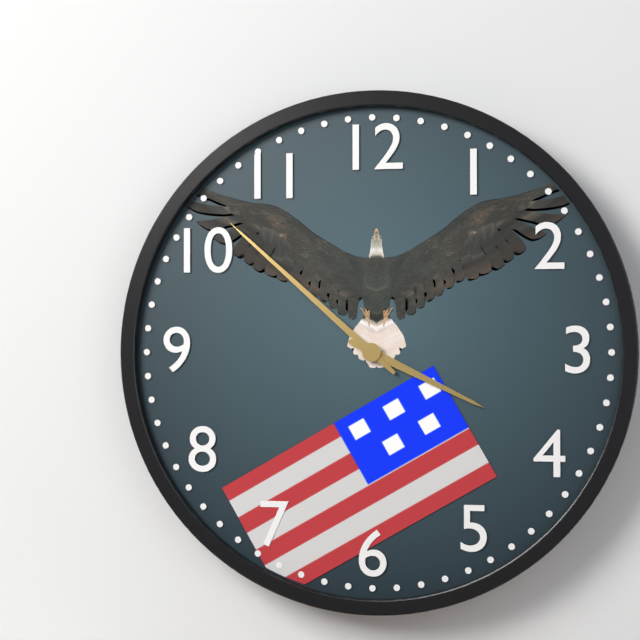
**3:52**
